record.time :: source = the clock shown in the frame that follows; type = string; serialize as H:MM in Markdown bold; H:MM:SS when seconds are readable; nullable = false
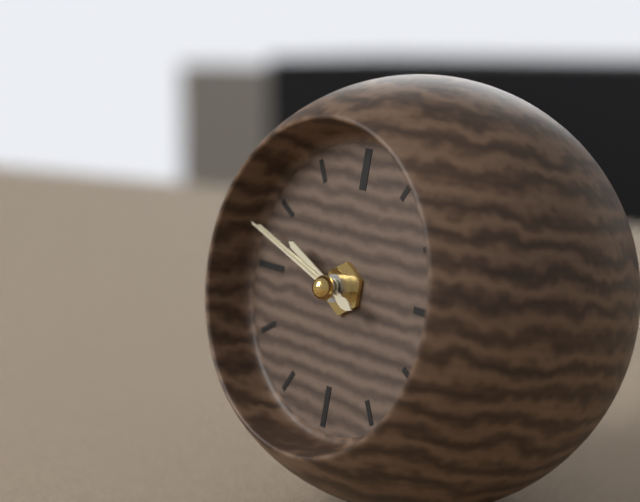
**9:48:48**
